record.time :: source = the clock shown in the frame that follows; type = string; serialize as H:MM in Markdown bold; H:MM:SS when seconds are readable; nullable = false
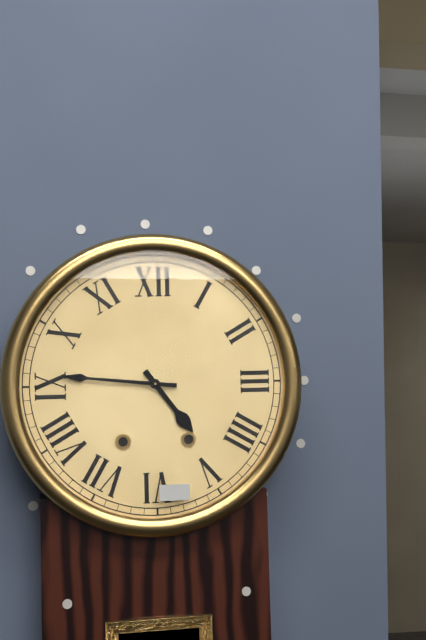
**4:46**
